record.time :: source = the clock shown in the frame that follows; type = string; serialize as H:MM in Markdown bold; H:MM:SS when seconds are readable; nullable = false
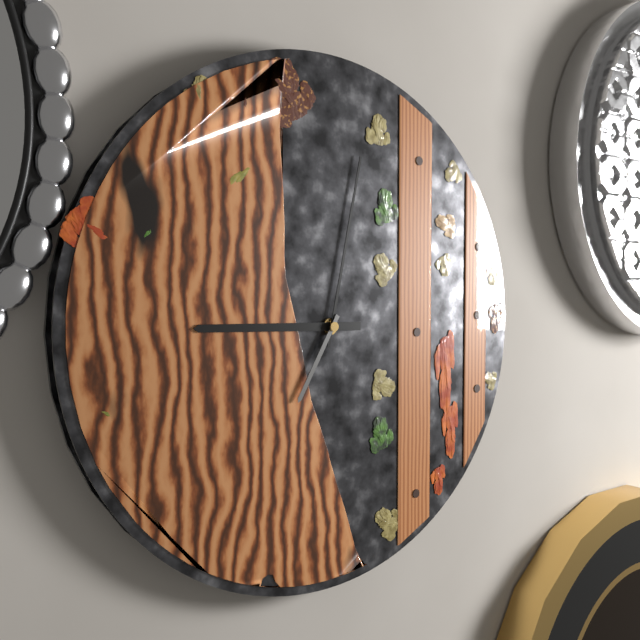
**9:02:35**
